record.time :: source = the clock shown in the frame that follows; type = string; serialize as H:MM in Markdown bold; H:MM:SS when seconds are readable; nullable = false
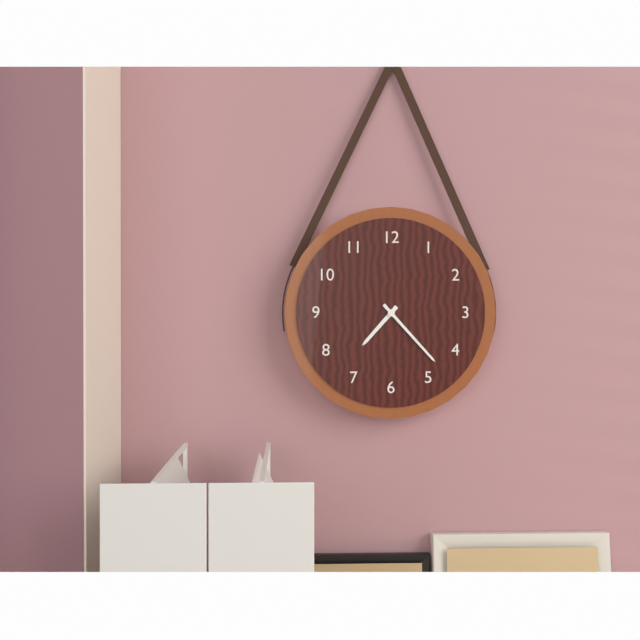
**7:23**
